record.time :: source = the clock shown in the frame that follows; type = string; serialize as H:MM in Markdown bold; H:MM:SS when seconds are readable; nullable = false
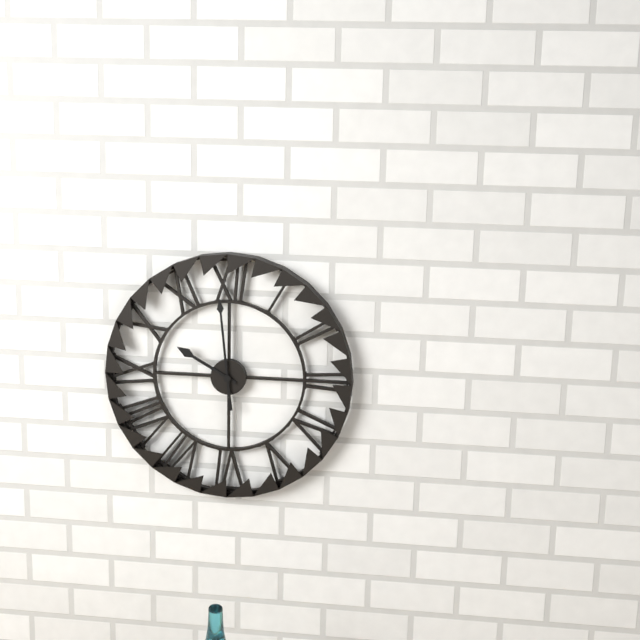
**9:59**
